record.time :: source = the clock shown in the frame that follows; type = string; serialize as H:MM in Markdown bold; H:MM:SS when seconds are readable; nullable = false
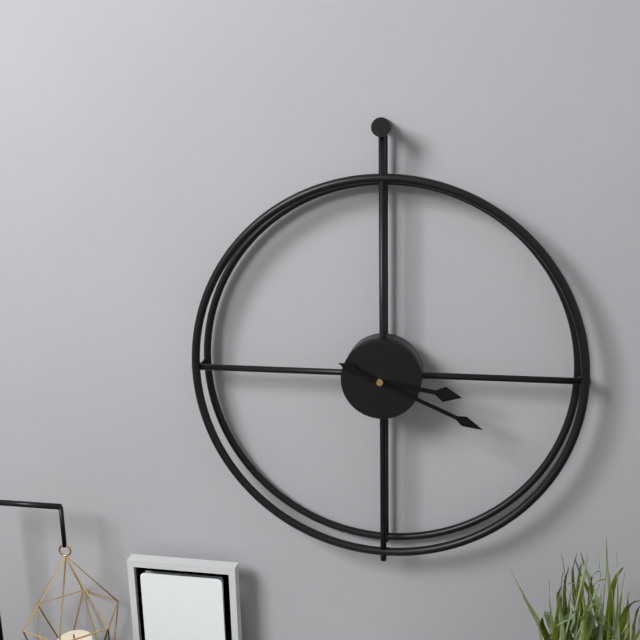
**3:19**
